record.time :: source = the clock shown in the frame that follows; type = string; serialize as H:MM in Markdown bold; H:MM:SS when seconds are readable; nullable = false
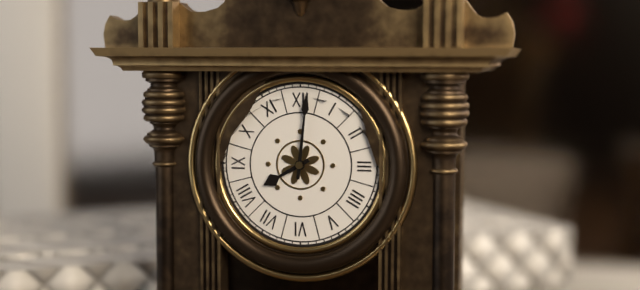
**8:01**
